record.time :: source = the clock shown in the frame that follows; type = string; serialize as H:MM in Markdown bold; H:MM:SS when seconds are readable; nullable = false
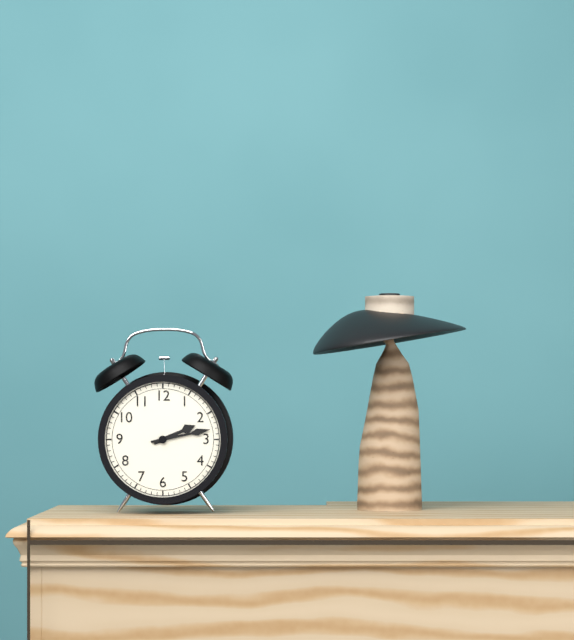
**2:13**
